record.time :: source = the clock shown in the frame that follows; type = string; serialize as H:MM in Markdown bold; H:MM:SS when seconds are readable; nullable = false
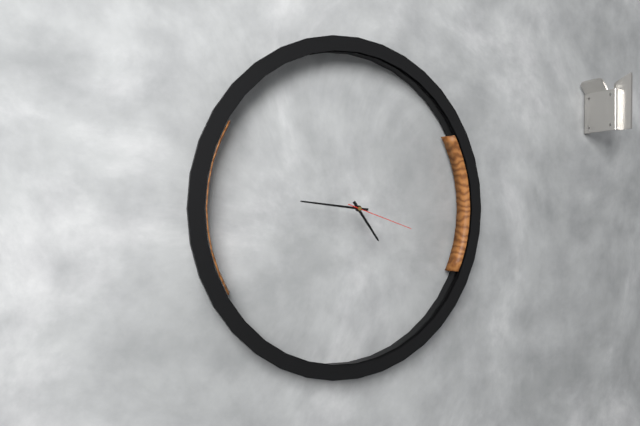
**4:46:18**
